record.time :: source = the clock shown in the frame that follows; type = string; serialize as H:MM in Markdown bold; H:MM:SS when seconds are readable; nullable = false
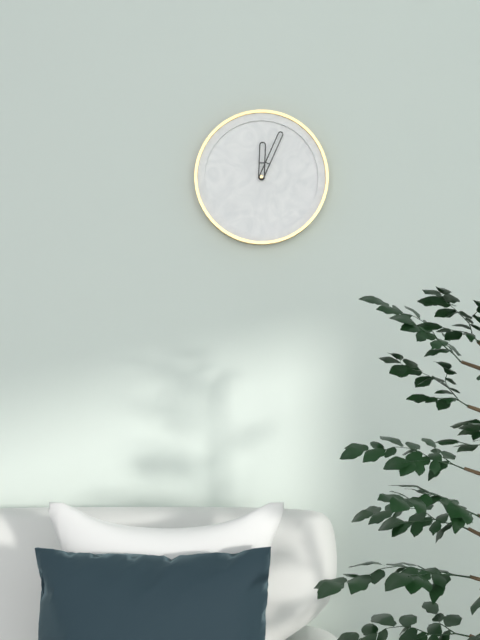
**12:04**
